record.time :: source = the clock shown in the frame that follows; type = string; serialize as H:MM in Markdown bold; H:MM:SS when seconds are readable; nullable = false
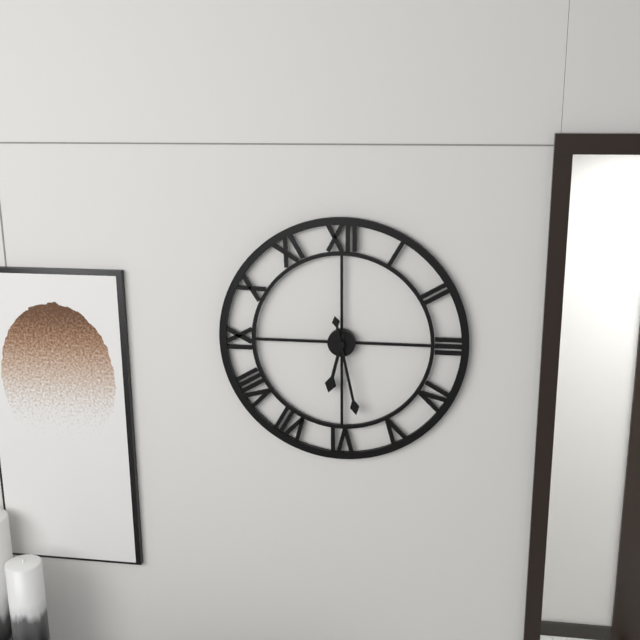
**6:28**
